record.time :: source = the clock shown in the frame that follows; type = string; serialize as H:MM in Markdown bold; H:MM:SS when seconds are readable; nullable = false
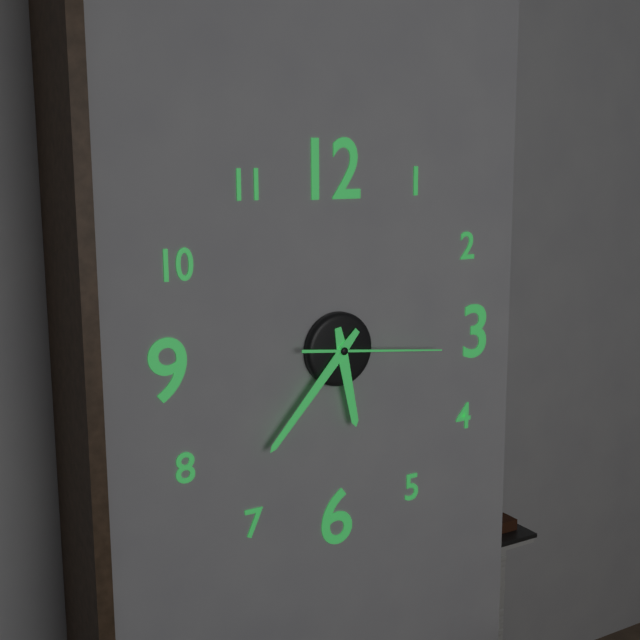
**5:37:16**
